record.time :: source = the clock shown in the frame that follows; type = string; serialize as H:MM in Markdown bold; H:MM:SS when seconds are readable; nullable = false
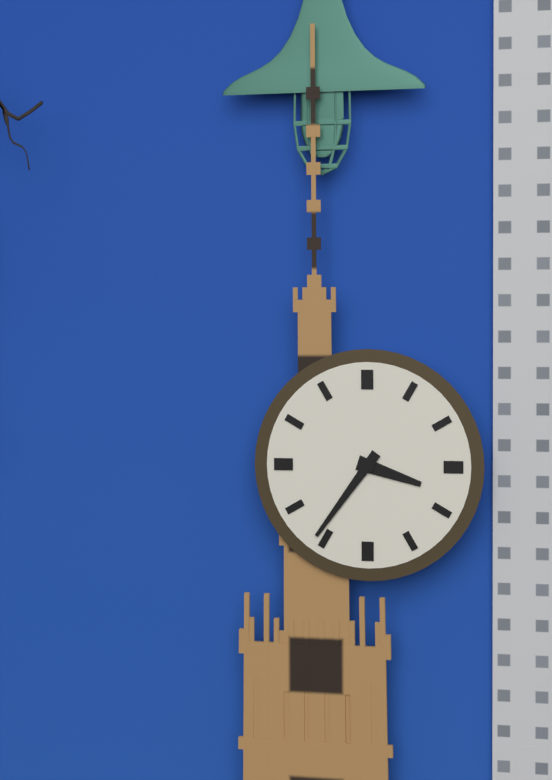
**3:36**
